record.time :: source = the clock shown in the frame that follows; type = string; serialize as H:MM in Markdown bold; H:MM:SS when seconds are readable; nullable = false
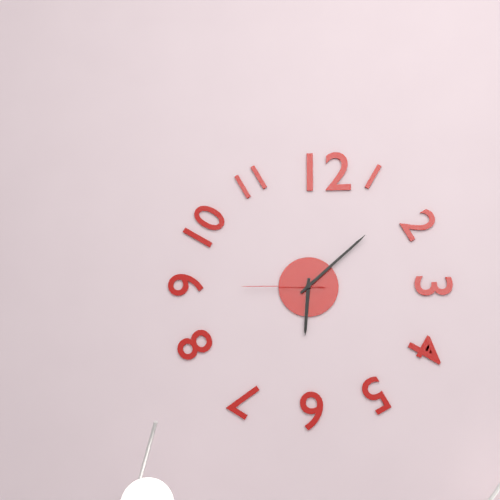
**6:08:45**
